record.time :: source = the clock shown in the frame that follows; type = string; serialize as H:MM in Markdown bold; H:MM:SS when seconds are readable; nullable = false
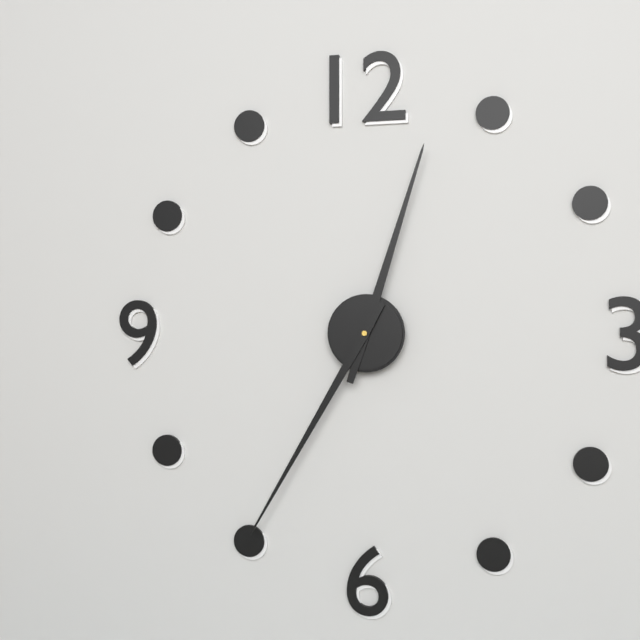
**12:35**
